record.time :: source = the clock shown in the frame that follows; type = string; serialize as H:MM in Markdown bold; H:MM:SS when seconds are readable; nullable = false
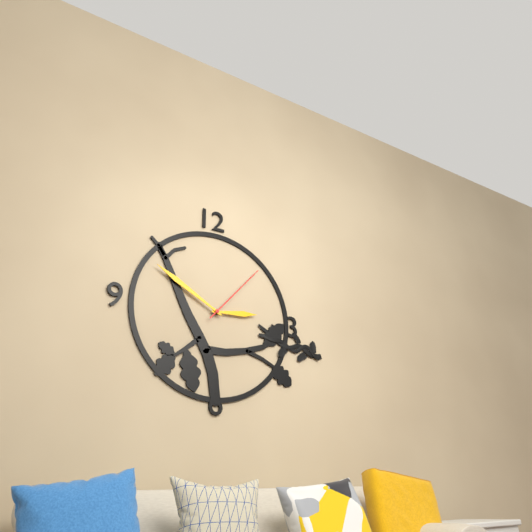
**2:50:07**
